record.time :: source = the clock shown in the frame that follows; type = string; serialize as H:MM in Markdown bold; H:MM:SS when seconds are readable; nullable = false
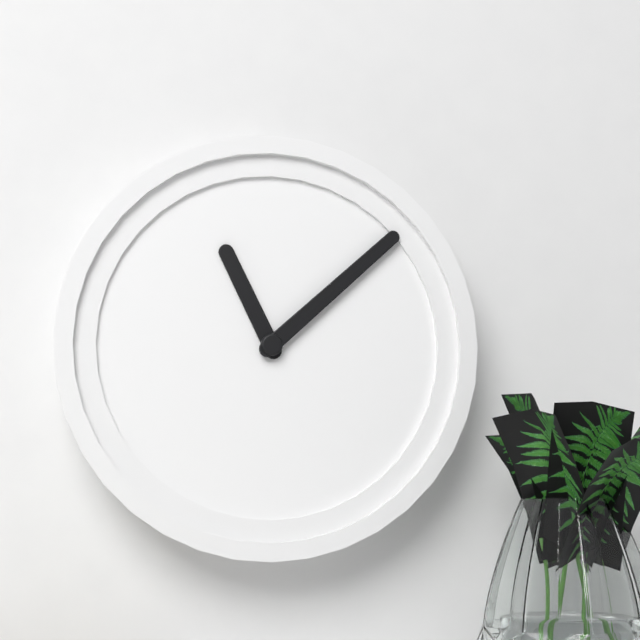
**11:08**
